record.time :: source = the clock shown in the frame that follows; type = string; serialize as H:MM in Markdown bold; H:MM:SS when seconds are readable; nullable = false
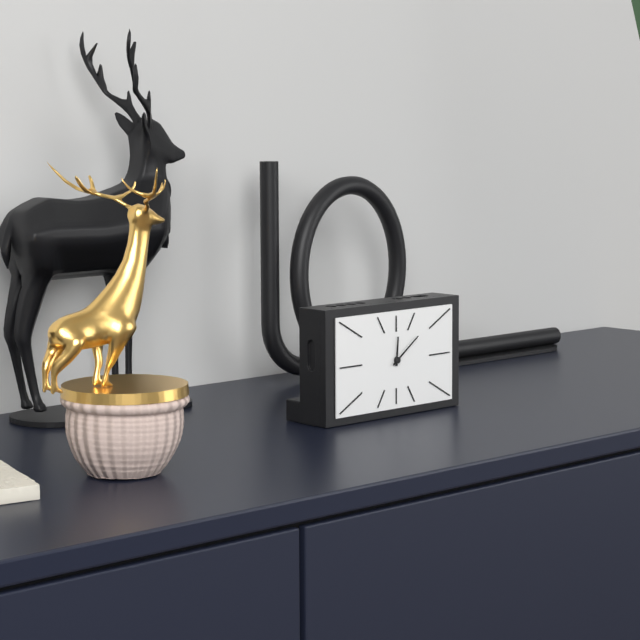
**12:09**
